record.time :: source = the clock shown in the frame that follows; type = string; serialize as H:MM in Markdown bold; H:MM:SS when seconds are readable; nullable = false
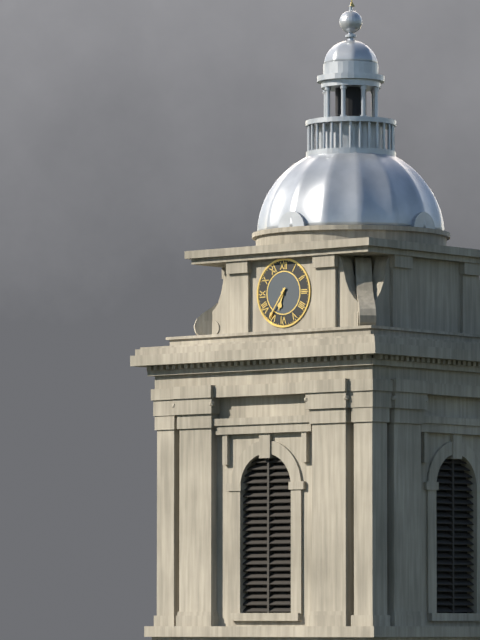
**6:36**
